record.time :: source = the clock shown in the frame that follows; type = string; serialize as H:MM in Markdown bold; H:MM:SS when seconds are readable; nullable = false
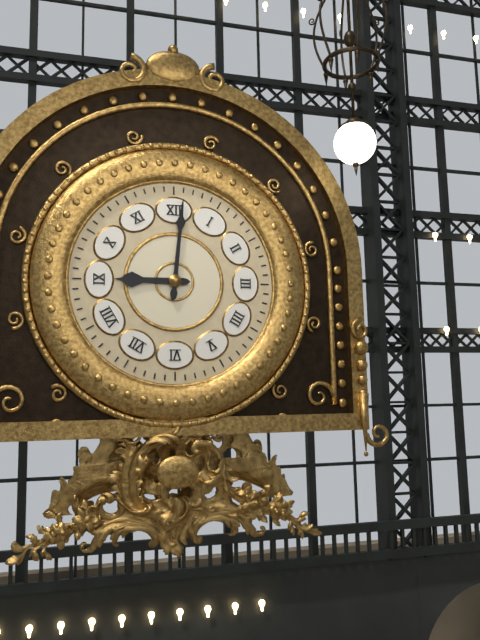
**9:01**
